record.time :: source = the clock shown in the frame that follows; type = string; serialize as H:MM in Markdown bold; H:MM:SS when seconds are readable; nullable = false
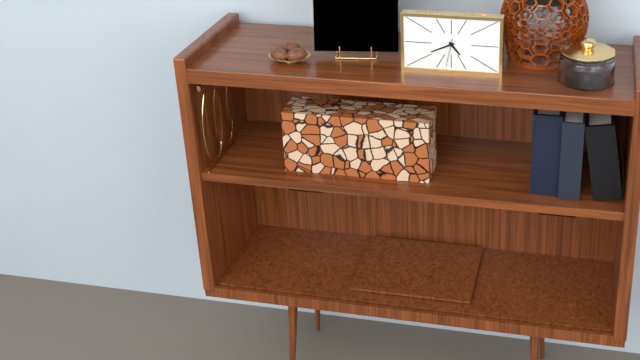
**4:41**
